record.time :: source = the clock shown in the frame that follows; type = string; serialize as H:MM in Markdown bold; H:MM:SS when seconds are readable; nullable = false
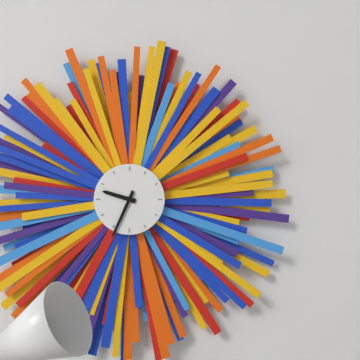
**9:34**
